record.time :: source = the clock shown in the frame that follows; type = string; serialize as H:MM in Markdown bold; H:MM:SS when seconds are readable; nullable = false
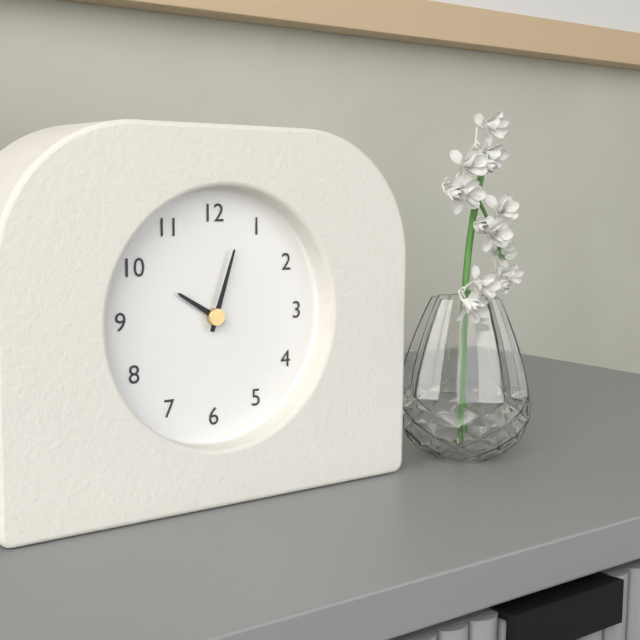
**10:03**
